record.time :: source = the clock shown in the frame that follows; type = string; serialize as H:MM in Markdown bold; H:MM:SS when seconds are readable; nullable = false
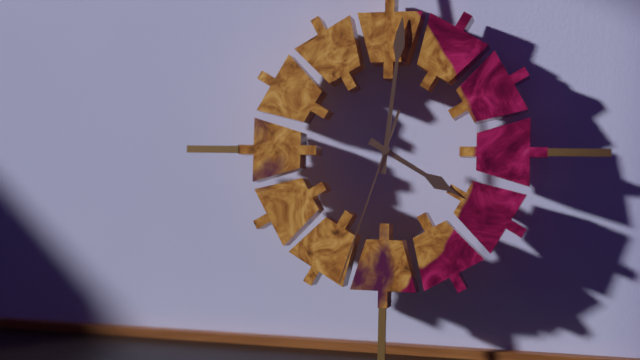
**4:01:33**
